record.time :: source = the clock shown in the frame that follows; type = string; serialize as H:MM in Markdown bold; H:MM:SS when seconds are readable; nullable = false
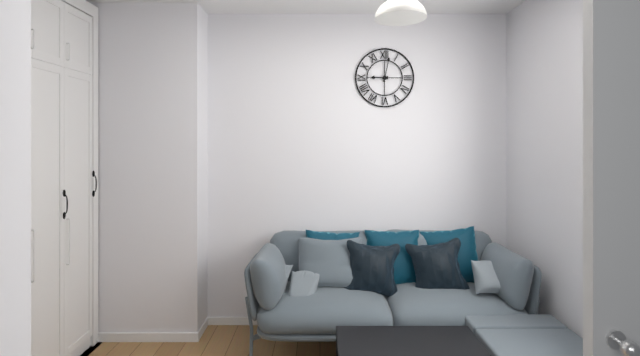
**9:02**
